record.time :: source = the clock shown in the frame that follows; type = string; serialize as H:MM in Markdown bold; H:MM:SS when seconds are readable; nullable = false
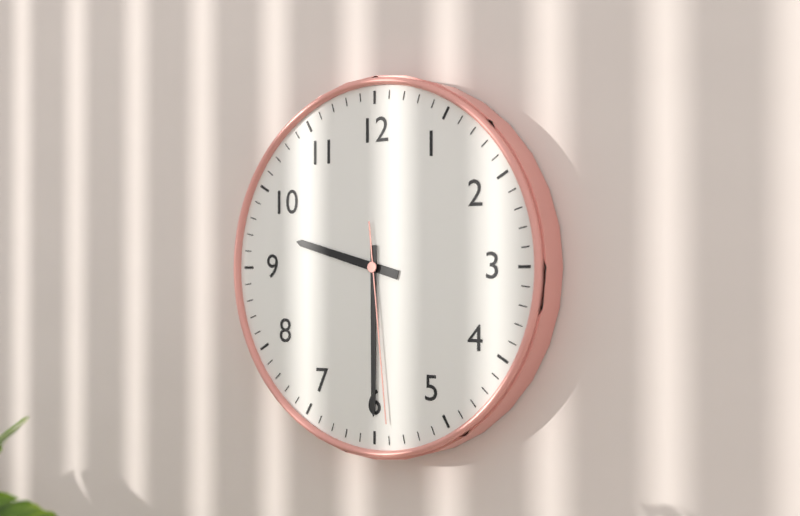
**9:30:29**
